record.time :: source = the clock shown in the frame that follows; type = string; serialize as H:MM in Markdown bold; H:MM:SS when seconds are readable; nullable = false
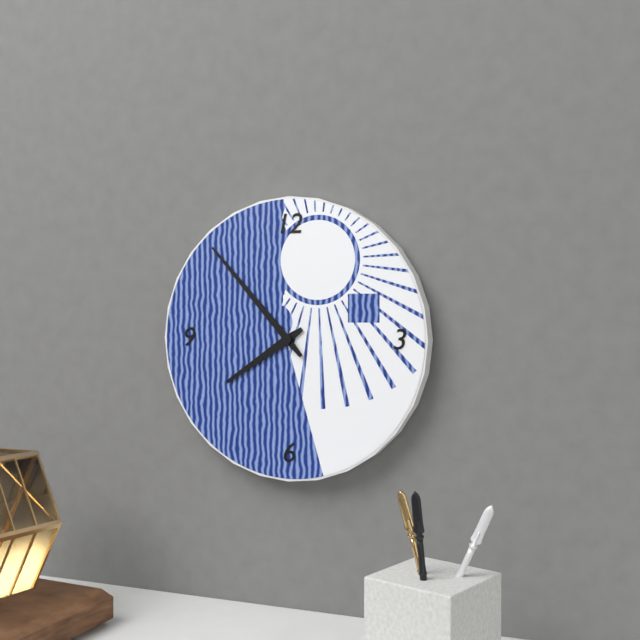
**7:53**
